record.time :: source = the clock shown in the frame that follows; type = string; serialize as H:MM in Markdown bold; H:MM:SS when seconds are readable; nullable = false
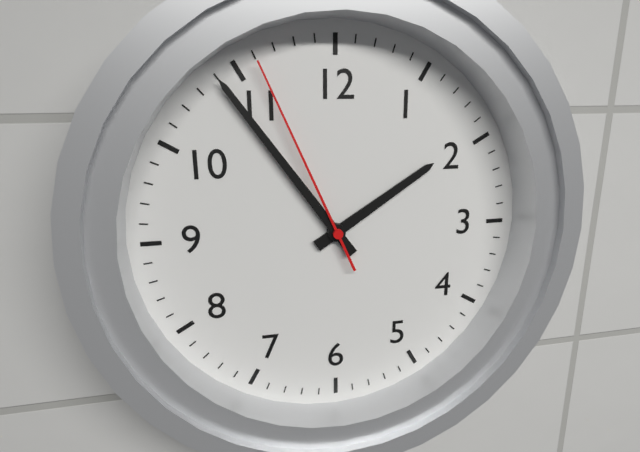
**1:54:56**
